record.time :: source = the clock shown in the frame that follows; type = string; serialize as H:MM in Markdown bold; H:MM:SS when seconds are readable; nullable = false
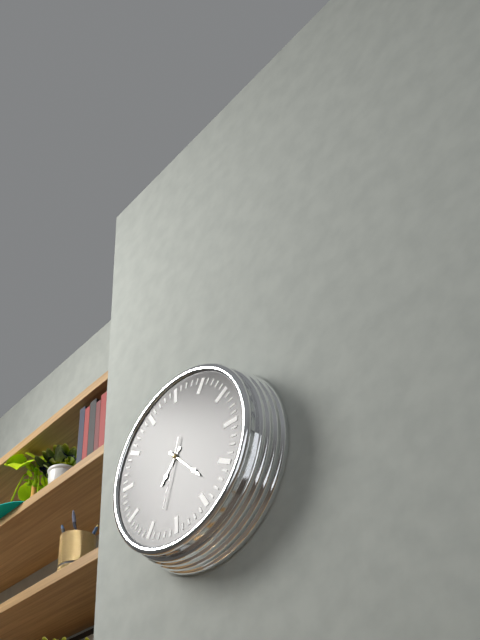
**7:23:33**
